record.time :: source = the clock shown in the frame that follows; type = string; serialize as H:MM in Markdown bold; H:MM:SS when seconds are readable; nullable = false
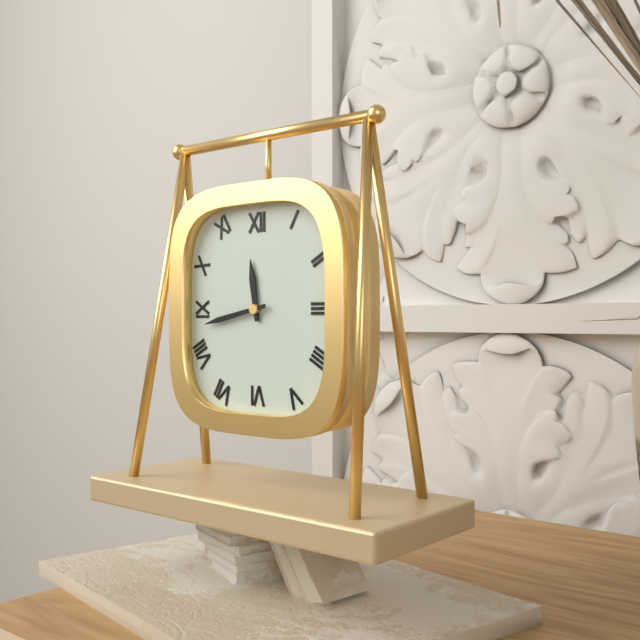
**11:43**
